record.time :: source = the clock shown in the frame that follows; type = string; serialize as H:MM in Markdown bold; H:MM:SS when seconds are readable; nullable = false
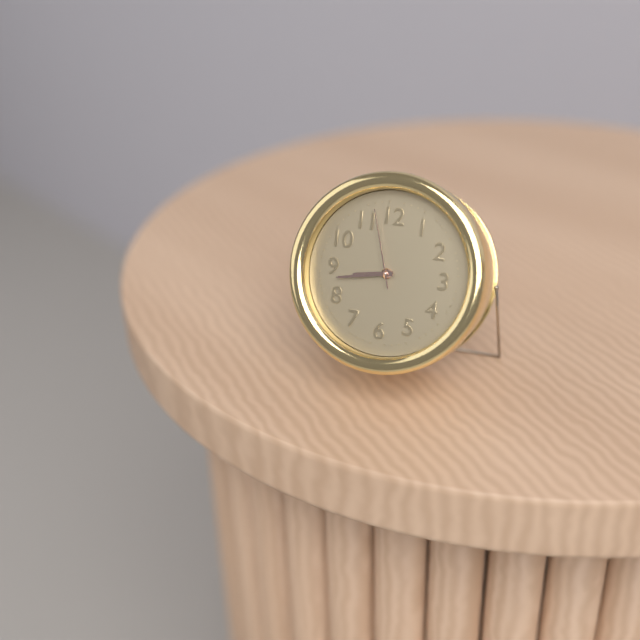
**8:43:57**
